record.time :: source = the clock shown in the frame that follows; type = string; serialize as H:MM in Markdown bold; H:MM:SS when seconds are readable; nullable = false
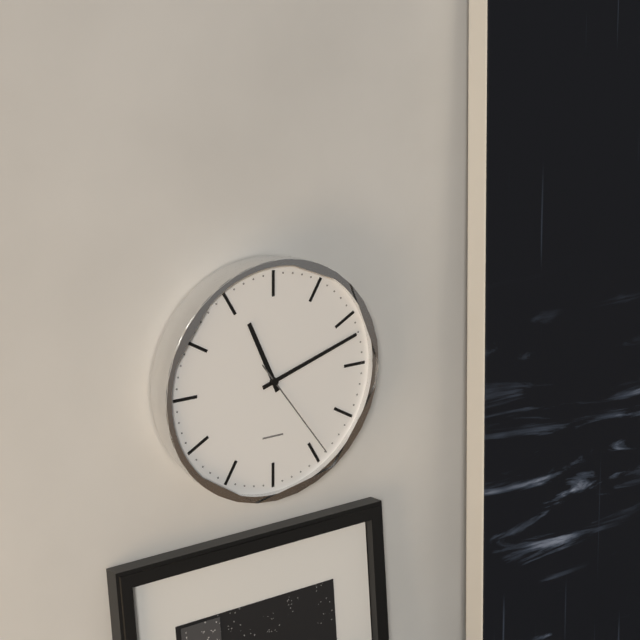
**11:12:24**
